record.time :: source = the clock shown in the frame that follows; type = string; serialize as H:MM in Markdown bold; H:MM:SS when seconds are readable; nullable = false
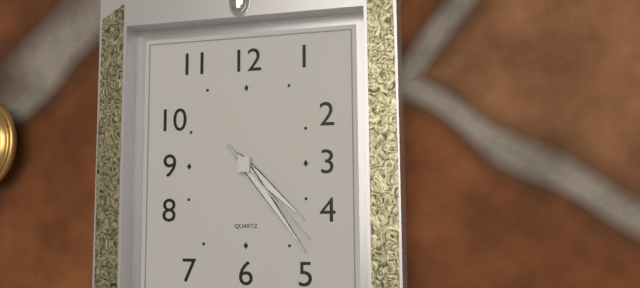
**4:24:23**
